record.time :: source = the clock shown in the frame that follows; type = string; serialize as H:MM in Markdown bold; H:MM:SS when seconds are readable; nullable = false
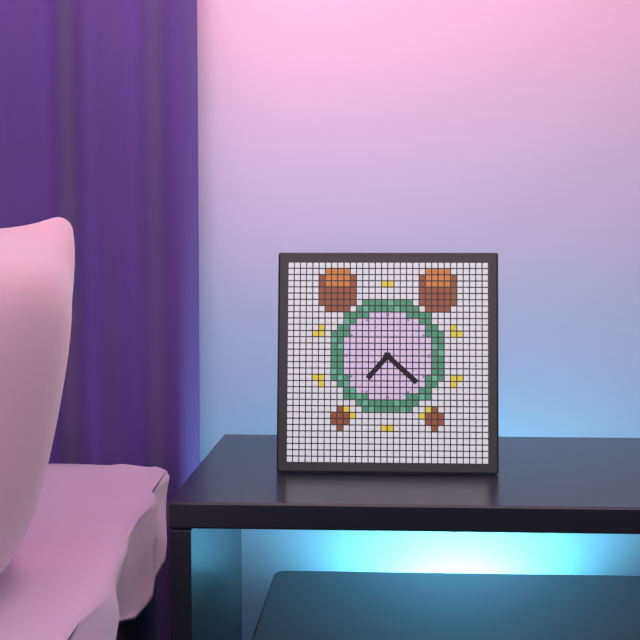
**7:22**
